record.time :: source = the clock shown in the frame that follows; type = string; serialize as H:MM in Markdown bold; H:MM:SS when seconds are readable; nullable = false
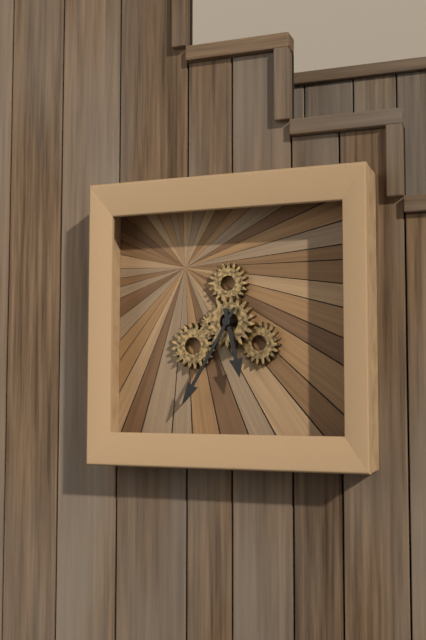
**5:35**
